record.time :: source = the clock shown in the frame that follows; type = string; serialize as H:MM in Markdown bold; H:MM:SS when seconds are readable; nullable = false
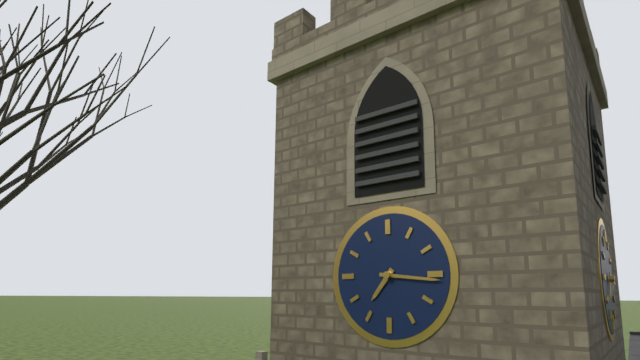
**7:16**
